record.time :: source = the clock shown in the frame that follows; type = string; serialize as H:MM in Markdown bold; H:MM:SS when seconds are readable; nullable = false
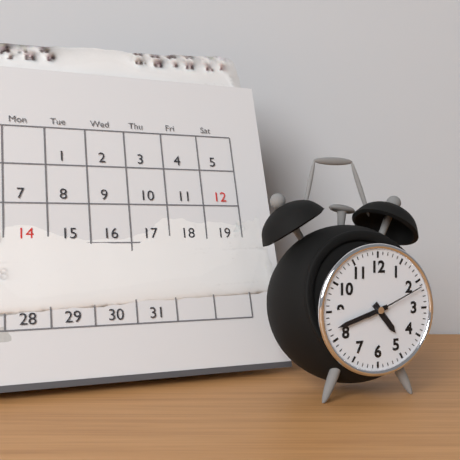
**4:42:11**
